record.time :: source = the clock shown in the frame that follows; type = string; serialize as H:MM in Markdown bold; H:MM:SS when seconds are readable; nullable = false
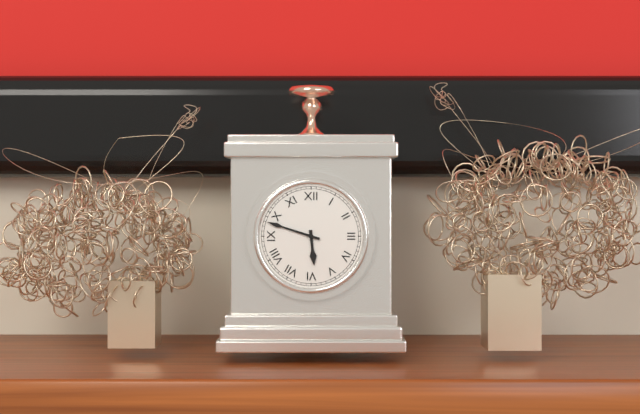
**5:48**
